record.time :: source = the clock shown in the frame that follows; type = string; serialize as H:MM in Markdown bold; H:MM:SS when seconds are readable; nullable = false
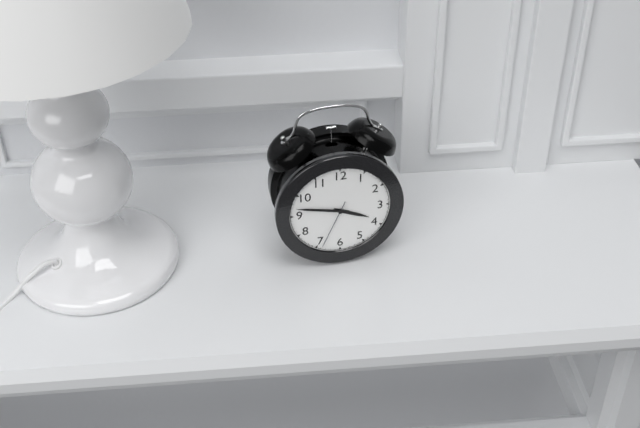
**3:47:34**
